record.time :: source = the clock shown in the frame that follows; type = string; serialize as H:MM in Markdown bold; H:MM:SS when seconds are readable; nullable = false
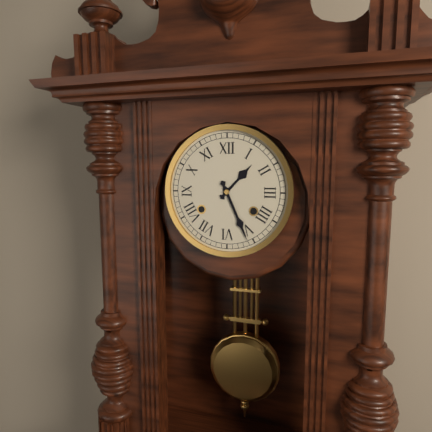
**1:26**
